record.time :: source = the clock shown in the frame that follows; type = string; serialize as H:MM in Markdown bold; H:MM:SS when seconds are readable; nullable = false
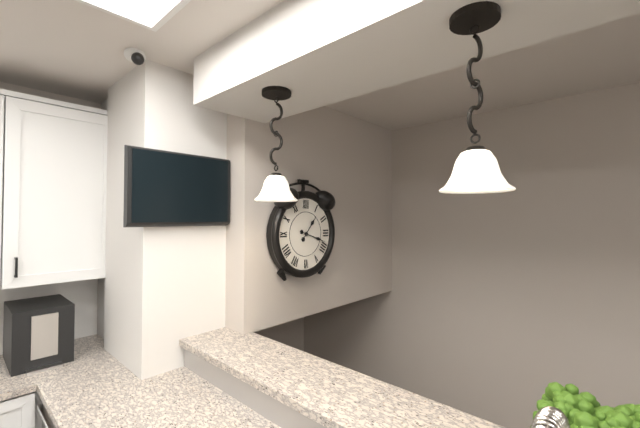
**1:18**
